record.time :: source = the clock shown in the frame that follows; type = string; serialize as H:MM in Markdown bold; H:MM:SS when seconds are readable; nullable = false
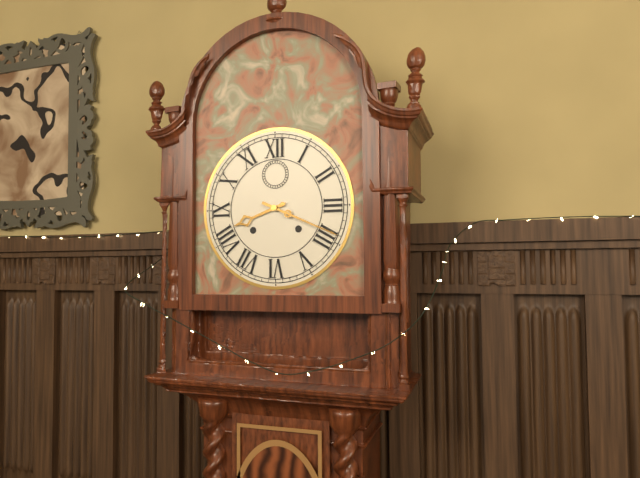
**8:19**
